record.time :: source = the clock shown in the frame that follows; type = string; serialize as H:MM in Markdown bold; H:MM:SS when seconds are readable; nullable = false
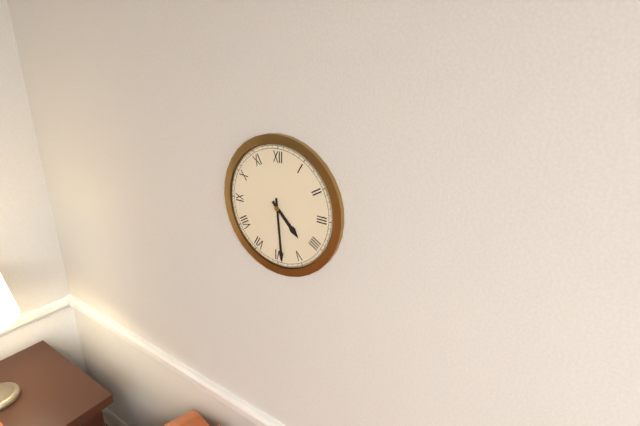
**4:29**
